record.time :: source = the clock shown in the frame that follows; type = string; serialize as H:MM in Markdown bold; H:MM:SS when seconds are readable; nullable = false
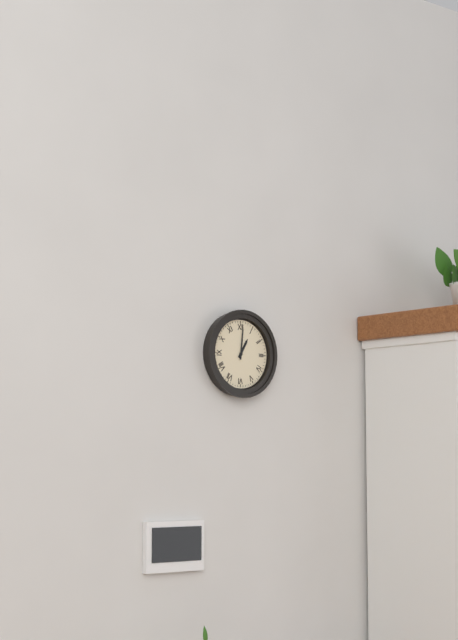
**1:01**
